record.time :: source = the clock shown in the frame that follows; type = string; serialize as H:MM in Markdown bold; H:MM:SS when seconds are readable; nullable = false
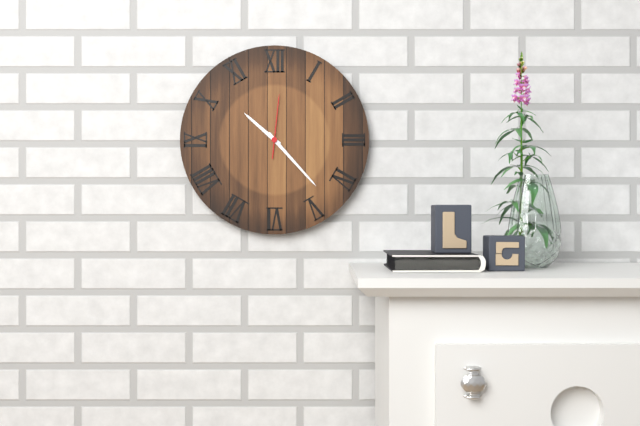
**10:23:01**
